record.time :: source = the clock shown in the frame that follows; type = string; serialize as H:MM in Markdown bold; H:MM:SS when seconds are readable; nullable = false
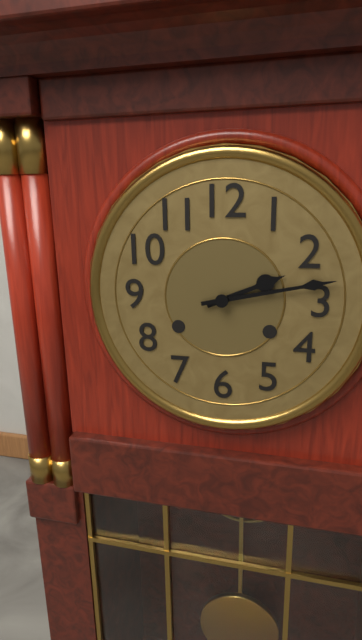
**2:13**
